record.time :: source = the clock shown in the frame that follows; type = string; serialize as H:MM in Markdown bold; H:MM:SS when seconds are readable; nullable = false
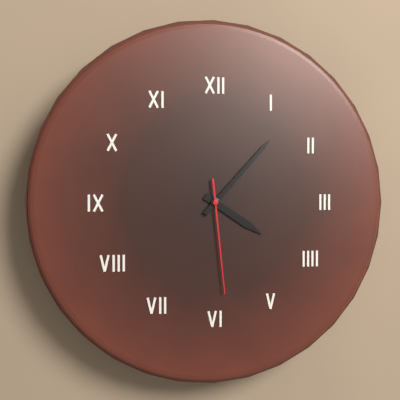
**4:07:29**
